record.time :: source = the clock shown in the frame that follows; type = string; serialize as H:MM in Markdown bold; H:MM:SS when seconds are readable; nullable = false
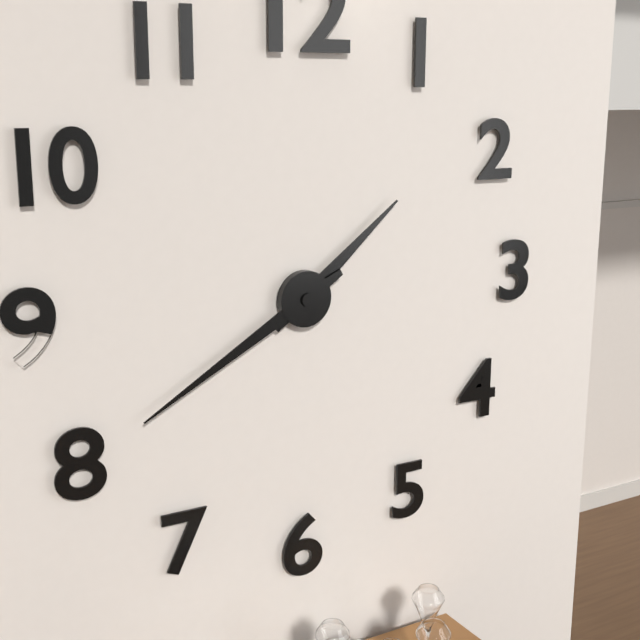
**1:40**
